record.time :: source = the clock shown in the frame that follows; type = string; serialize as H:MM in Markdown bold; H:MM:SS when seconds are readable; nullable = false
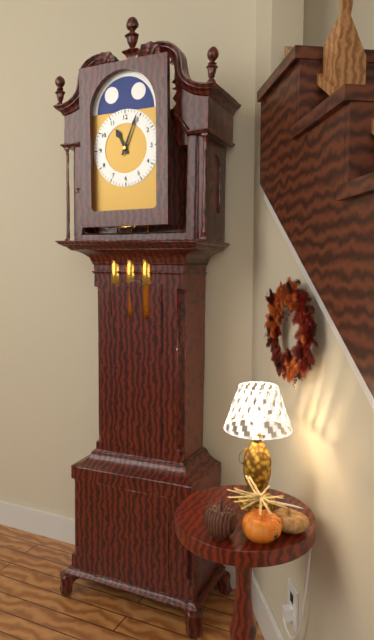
**11:04**
